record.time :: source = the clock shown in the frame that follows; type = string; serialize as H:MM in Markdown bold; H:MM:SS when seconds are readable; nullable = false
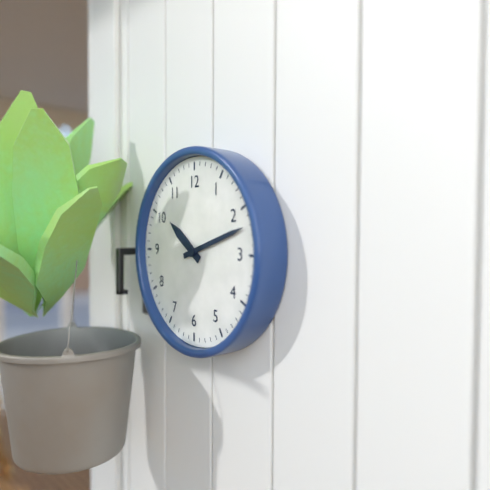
**10:12**
